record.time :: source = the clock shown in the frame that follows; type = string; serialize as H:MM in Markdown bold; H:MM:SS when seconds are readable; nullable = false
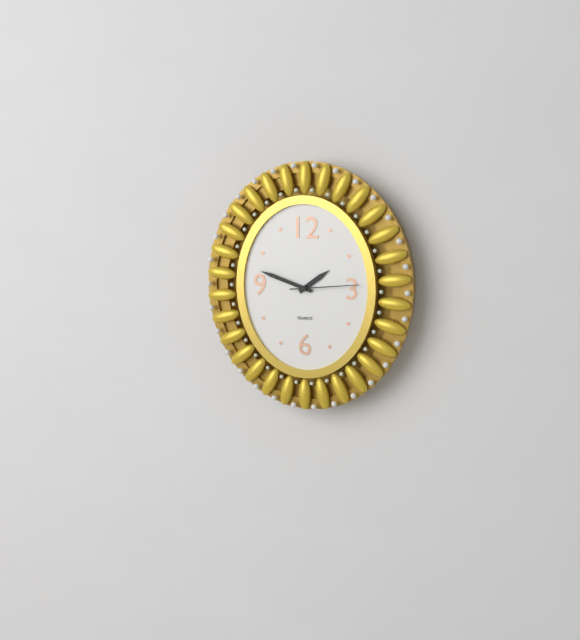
**1:48:14**
